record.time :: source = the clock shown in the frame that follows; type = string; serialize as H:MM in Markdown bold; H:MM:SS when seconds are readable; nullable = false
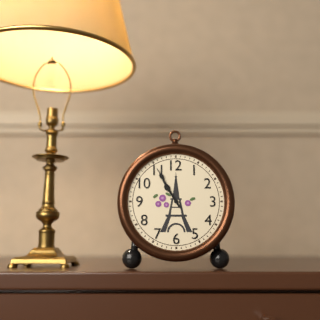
**10:55**
